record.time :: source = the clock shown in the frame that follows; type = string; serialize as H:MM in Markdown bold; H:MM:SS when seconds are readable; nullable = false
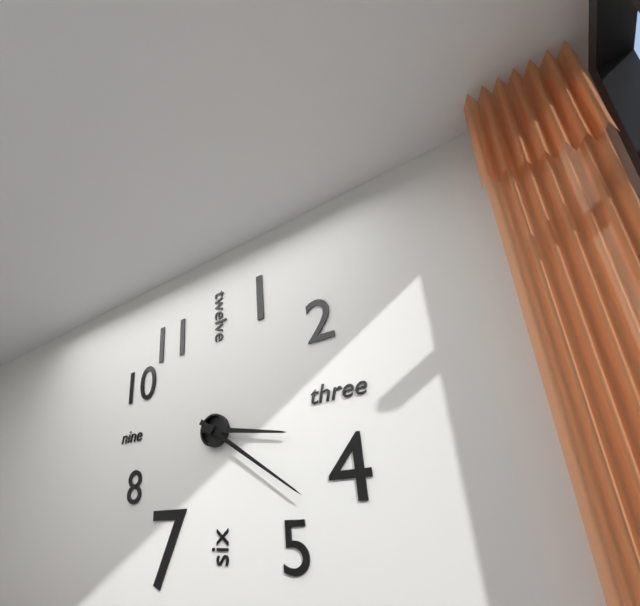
**3:21**
